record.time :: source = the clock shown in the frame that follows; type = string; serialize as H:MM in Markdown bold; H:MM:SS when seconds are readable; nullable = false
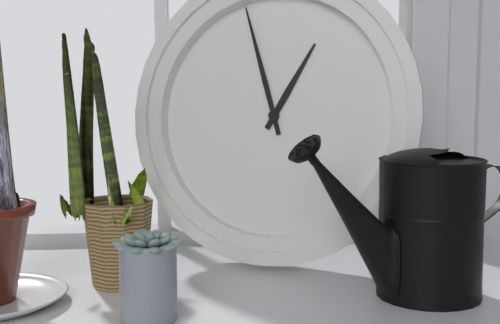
**12:57**
